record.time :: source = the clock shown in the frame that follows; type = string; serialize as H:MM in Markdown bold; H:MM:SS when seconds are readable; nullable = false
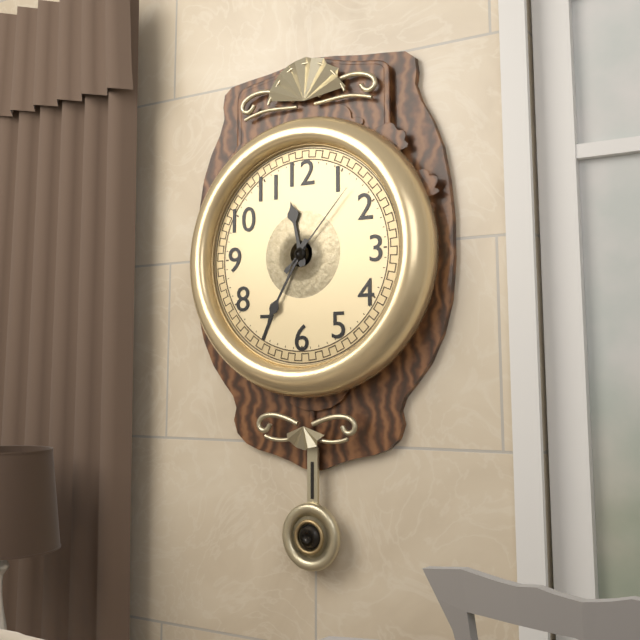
**11:35:07**
